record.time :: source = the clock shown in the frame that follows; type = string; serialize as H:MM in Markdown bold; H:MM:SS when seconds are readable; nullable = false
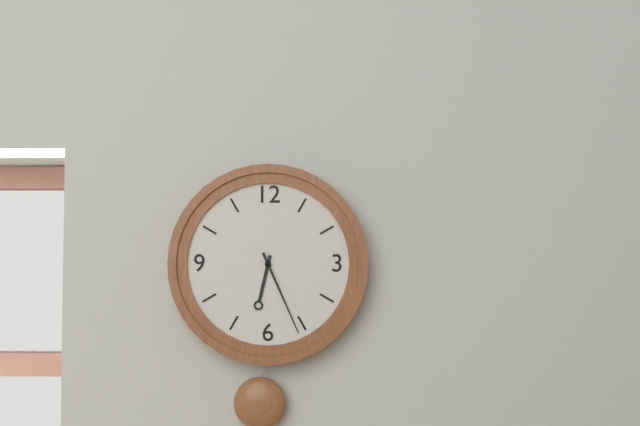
**6:26**
